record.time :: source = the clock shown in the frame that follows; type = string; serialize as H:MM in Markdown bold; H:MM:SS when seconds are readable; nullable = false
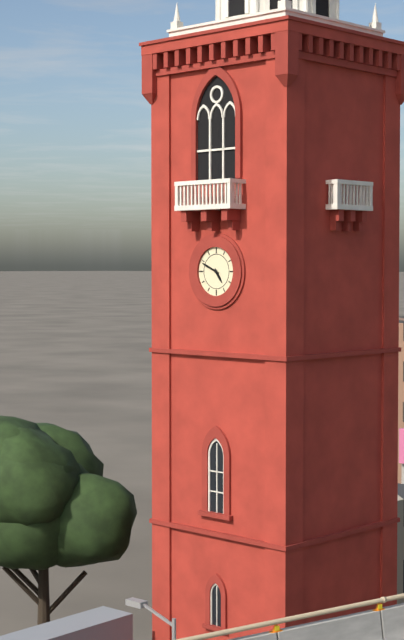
**4:49**
